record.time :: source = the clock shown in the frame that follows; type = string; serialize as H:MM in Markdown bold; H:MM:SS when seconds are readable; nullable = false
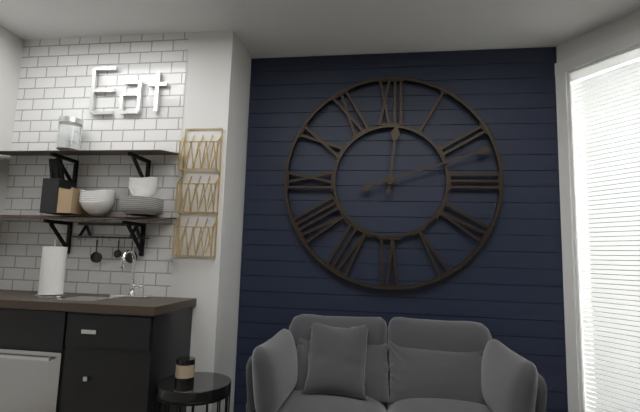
**12:12**
